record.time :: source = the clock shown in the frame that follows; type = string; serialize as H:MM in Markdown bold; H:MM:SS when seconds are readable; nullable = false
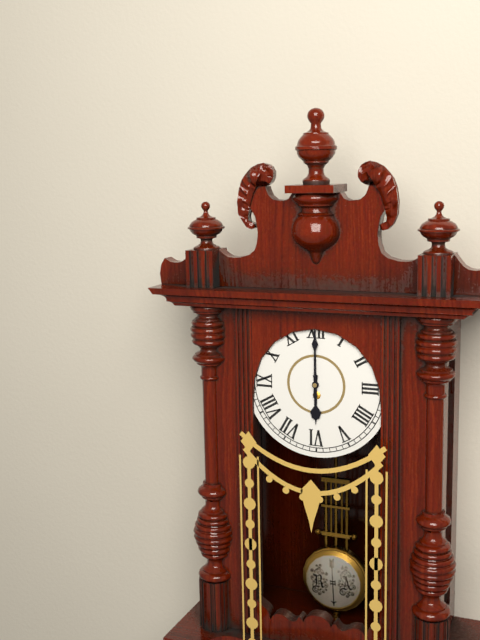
**6:00**
